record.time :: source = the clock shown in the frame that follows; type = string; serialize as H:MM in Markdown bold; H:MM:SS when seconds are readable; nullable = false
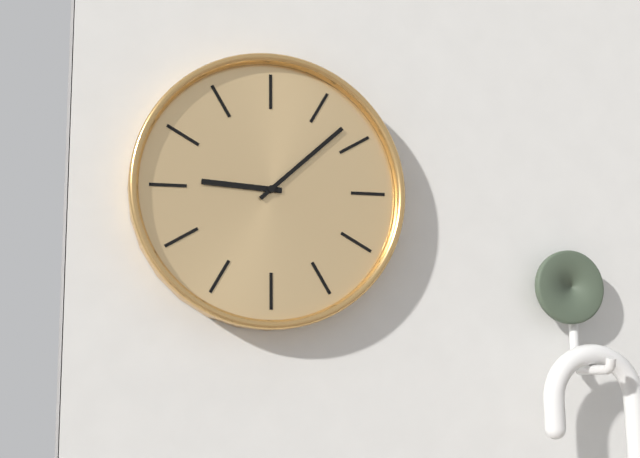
**9:08**
